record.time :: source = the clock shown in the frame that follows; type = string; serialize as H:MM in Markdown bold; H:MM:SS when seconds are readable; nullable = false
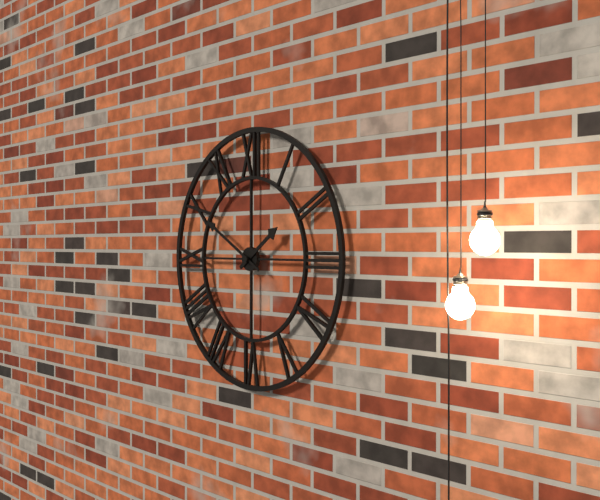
**1:50**
